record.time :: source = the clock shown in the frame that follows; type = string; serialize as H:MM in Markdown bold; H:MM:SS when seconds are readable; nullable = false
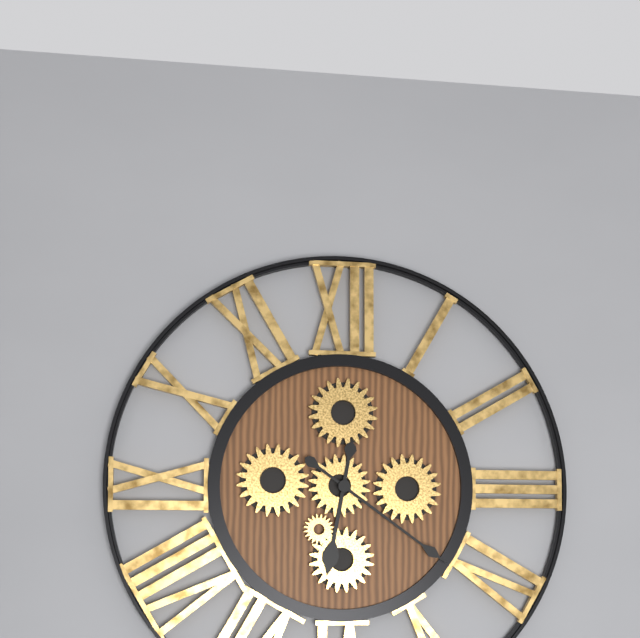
**6:21**
